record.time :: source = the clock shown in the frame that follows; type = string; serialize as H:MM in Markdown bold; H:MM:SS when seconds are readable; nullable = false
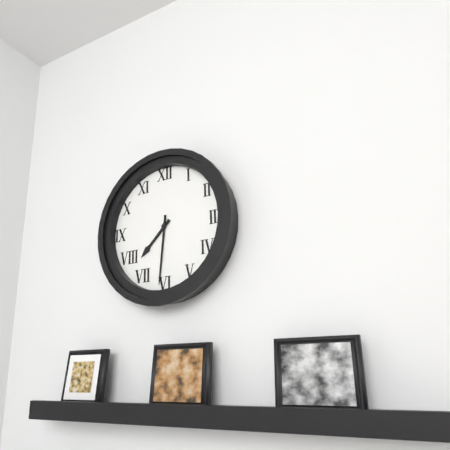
**7:31**
